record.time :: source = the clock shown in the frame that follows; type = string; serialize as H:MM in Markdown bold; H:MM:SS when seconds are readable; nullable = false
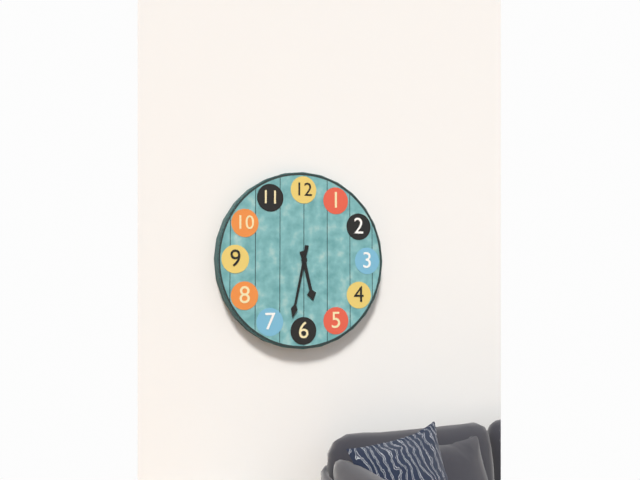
**5:32**
